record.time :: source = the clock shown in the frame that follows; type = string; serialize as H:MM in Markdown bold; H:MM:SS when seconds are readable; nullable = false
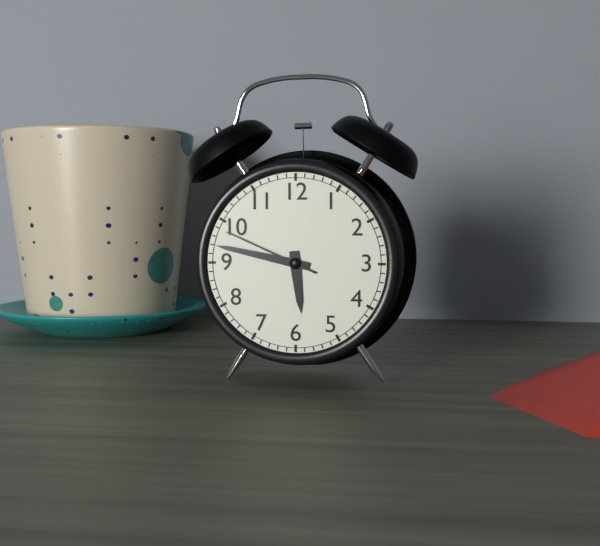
**5:47:49**
